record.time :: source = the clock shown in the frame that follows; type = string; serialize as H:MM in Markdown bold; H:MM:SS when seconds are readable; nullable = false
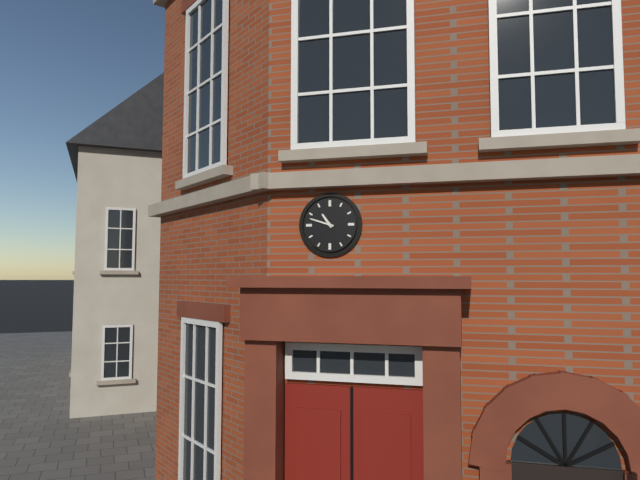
**10:48**
